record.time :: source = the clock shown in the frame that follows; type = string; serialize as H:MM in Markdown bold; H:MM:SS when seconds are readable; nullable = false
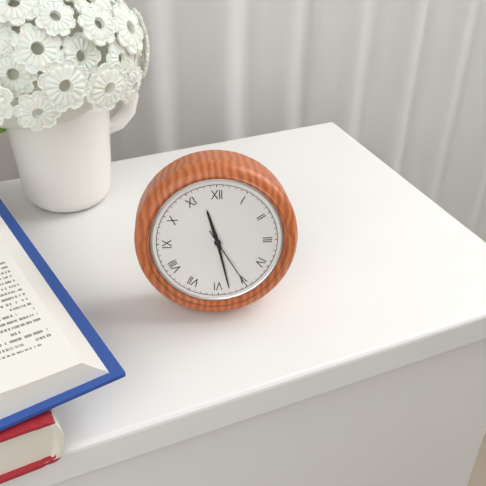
**11:28:25**
